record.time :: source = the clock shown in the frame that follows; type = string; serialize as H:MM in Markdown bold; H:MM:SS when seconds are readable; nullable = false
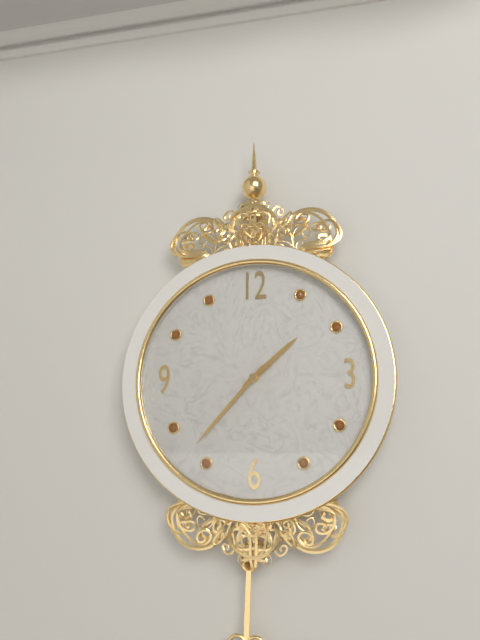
**1:37**
